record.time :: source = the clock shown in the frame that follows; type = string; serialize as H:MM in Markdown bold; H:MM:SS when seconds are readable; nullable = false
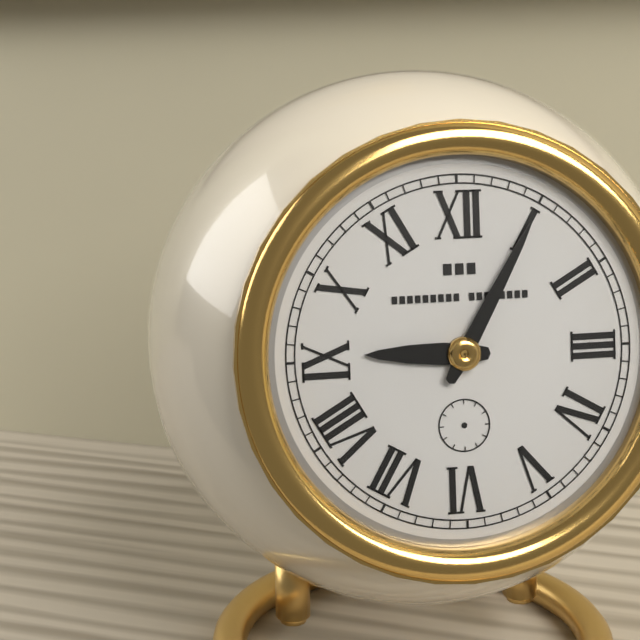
**9:05**
